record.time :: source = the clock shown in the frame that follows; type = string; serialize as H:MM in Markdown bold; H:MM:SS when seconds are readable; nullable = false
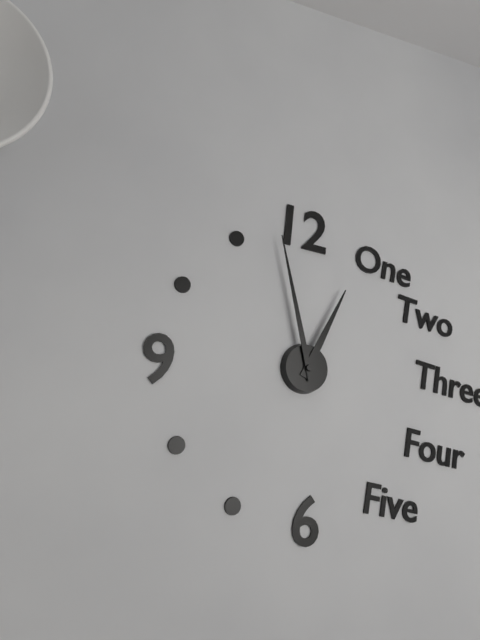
**12:58**
